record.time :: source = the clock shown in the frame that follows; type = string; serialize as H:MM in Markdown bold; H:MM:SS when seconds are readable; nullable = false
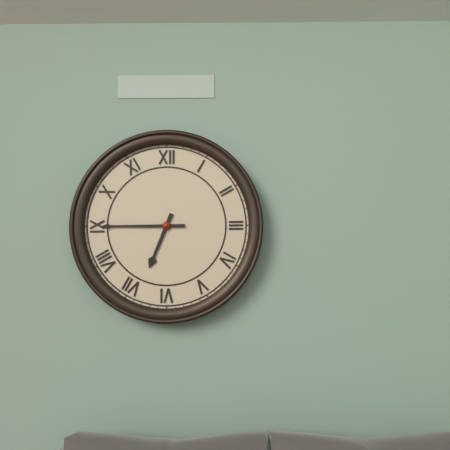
**6:45**
